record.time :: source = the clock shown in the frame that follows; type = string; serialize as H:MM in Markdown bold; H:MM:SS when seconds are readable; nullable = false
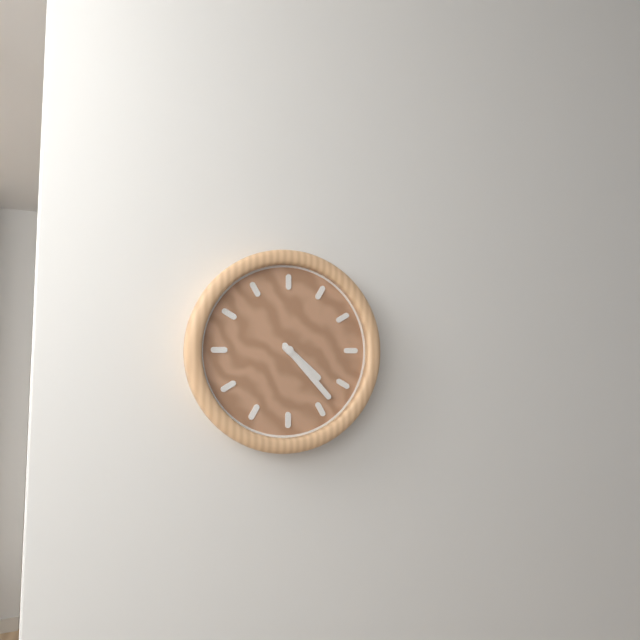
**4:23**
